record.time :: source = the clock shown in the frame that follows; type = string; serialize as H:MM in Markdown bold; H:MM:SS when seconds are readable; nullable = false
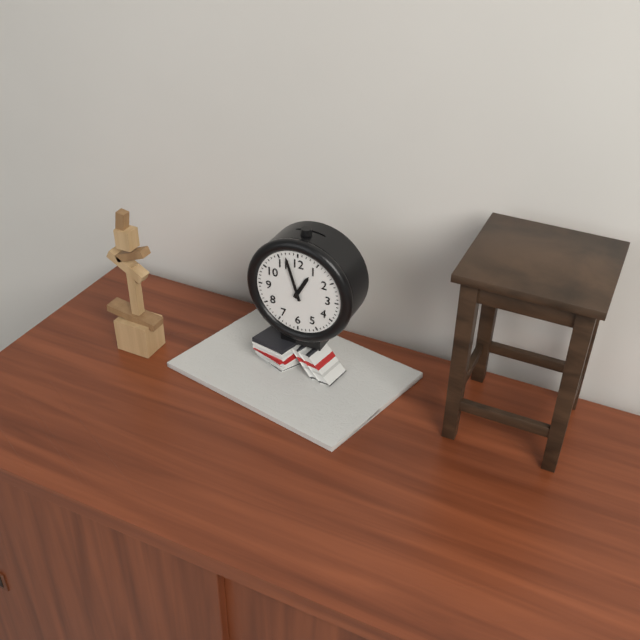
**12:57**
